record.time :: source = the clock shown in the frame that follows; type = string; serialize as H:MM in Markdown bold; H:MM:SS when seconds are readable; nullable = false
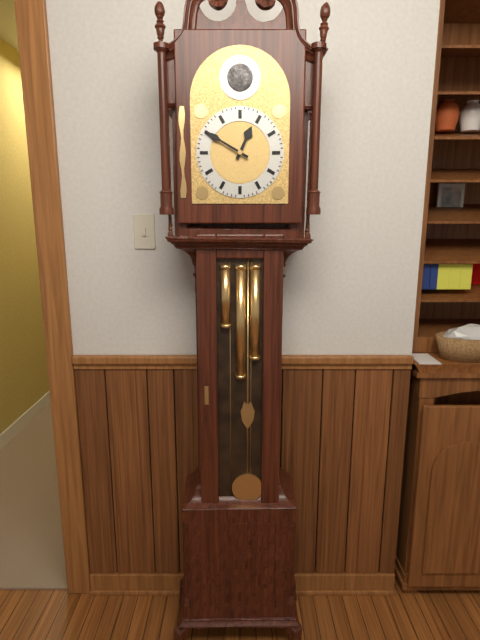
**12:50**
